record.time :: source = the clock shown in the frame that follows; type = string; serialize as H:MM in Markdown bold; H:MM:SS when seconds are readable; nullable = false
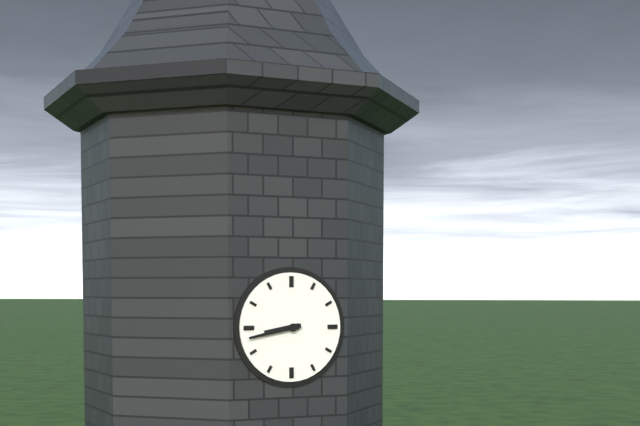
**8:43**
